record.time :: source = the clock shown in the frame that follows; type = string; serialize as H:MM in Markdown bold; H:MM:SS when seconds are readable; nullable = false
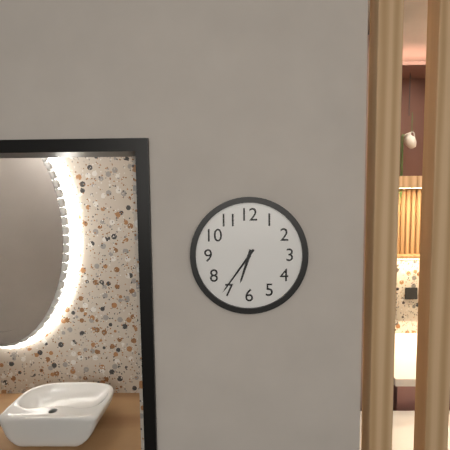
**6:36**
